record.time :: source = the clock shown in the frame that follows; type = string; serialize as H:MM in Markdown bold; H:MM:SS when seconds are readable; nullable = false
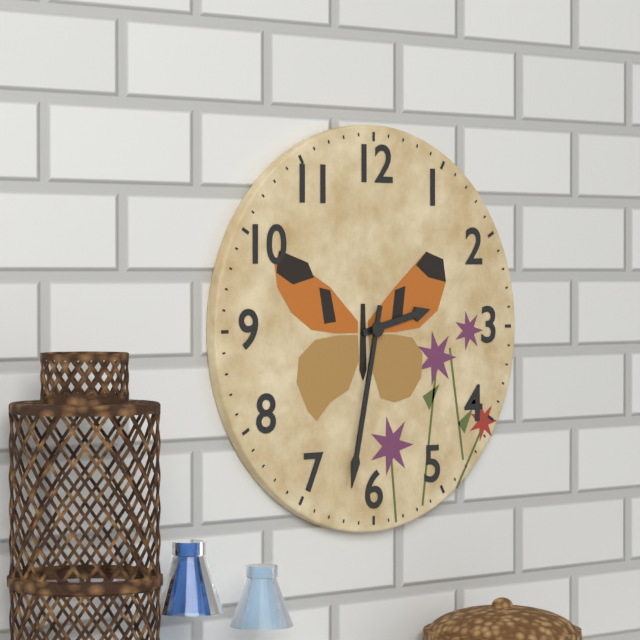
**2:32**
